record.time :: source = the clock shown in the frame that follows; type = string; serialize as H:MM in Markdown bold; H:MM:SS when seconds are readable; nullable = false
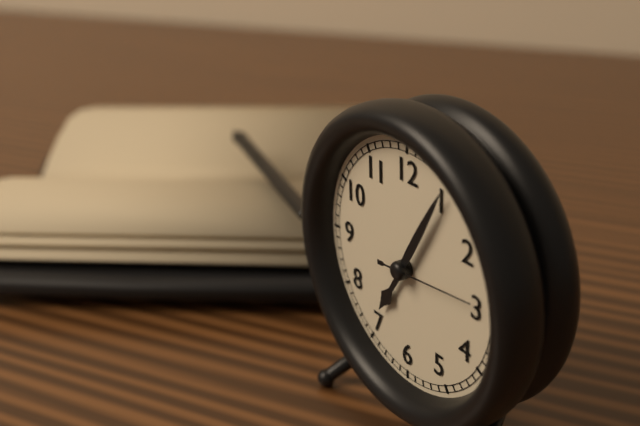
**7:05:14**
